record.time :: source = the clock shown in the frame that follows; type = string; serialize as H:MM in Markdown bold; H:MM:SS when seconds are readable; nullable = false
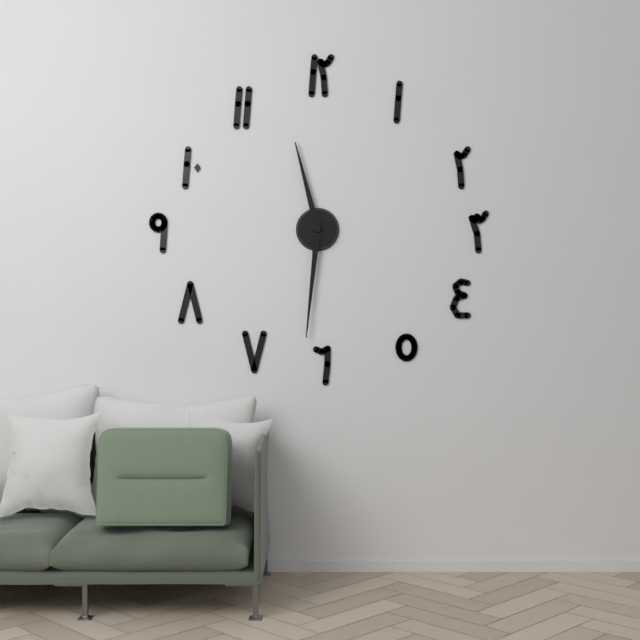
**11:31**
